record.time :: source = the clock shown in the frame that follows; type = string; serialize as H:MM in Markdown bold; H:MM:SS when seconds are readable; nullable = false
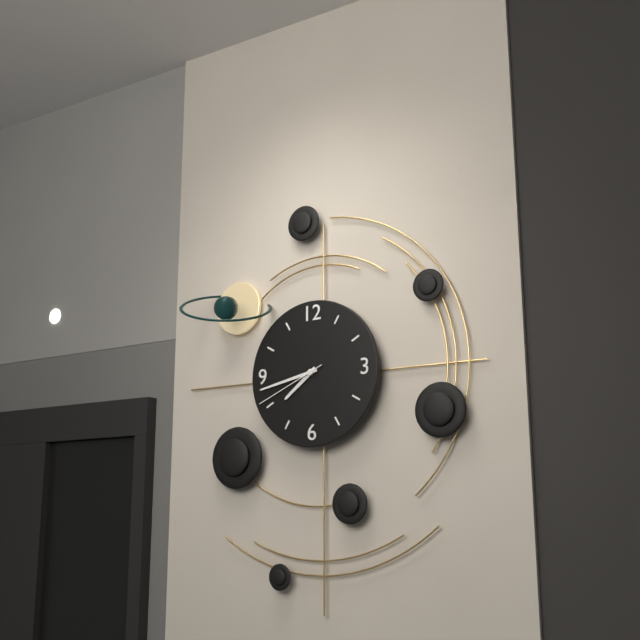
**7:43:41**
